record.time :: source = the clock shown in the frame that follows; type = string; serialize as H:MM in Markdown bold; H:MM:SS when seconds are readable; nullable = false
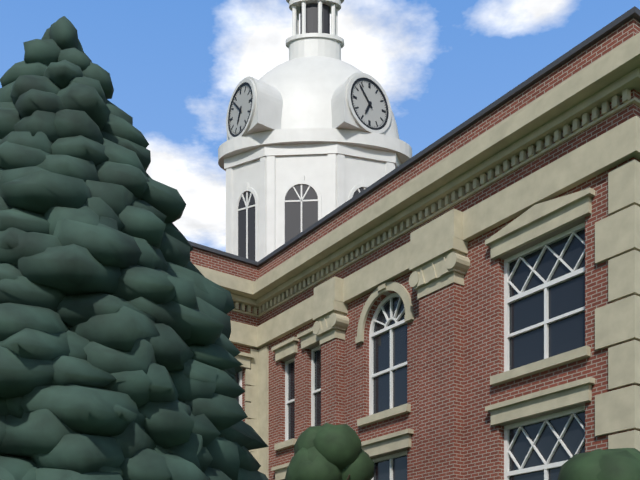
**6:53**
